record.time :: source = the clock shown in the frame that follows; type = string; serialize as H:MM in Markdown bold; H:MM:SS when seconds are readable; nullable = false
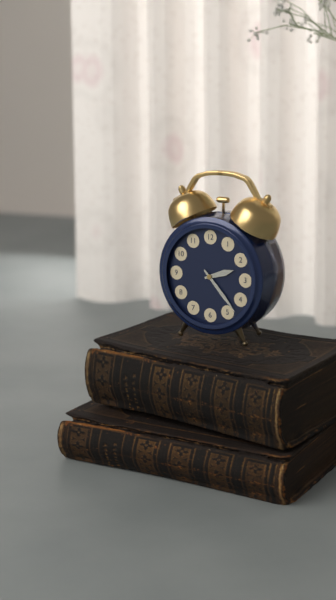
**2:23**
